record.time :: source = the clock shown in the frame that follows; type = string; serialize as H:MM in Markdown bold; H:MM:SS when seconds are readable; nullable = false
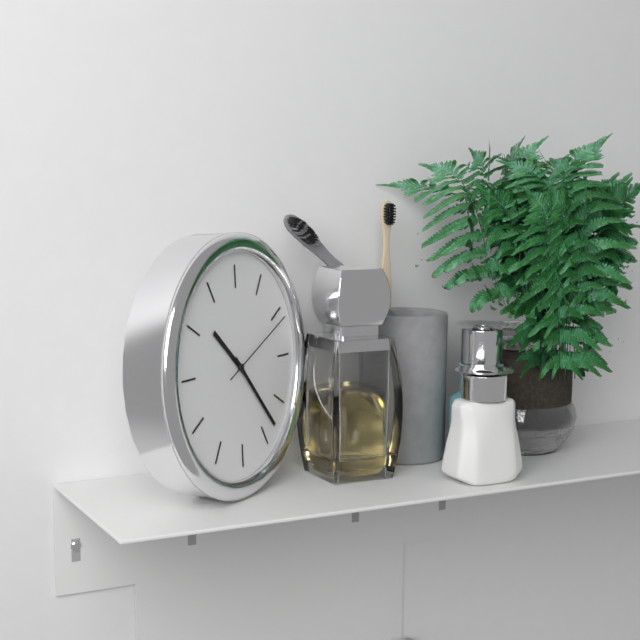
**10:23:11**
